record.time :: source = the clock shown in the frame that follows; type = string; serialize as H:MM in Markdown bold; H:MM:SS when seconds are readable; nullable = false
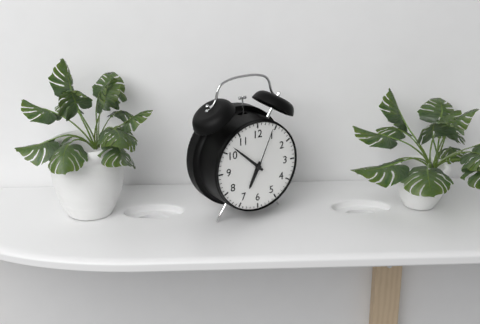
**6:52:04**
